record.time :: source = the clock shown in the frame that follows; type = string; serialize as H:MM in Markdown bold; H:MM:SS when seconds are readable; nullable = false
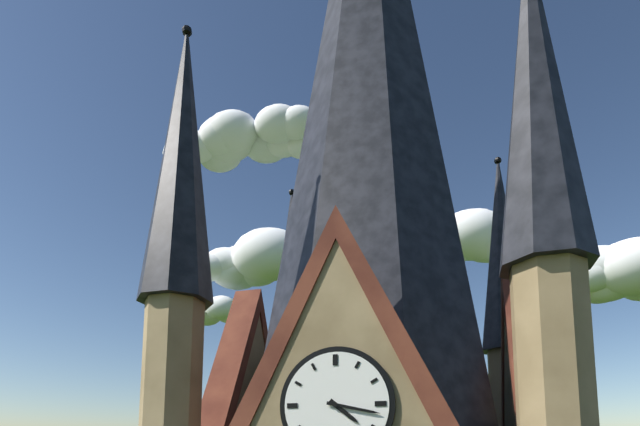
**4:17**
